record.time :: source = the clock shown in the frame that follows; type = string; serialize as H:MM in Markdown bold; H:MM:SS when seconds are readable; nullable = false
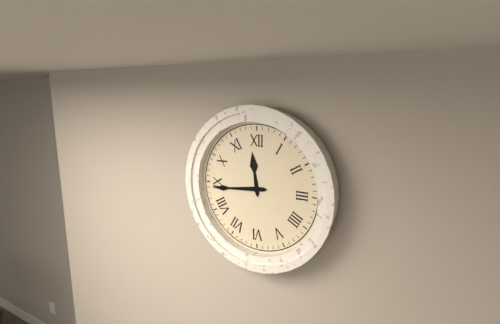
**11:44**
